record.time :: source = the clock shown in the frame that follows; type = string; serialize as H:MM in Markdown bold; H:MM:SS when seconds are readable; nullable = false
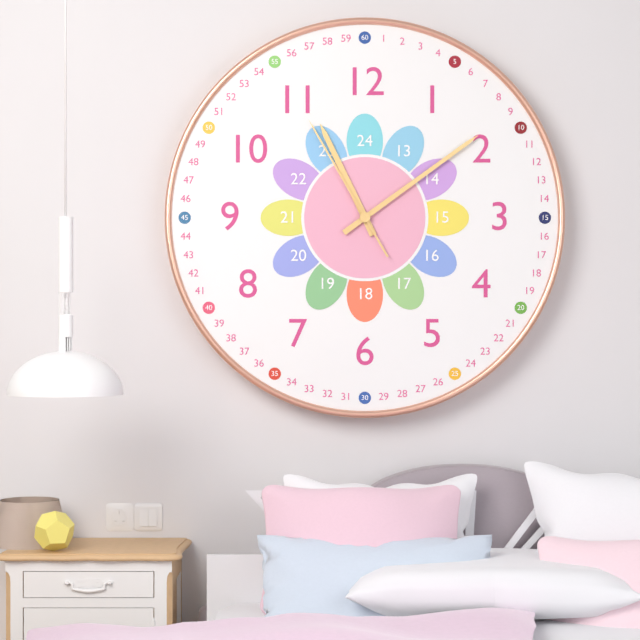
**11:09:55**
